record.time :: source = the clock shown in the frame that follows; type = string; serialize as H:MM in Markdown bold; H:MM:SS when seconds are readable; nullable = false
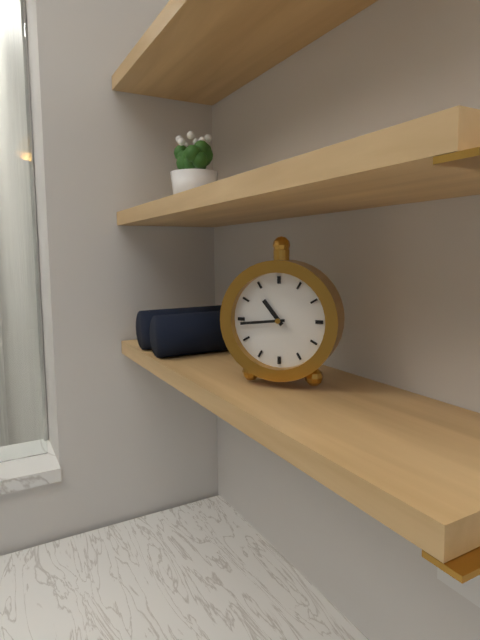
**10:44**
